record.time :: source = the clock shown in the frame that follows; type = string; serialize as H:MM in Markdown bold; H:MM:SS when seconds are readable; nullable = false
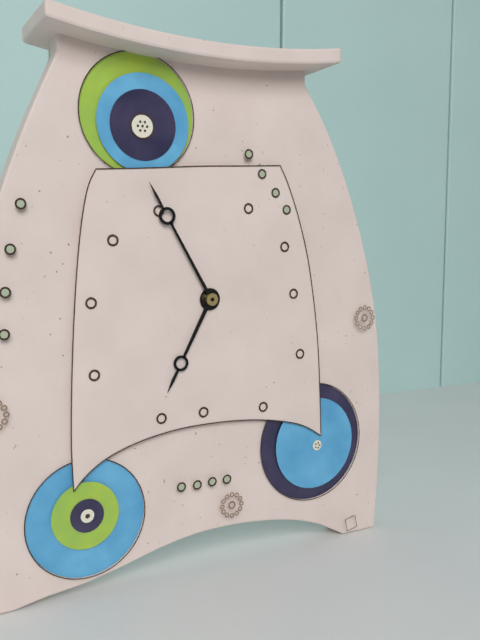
**6:55**
